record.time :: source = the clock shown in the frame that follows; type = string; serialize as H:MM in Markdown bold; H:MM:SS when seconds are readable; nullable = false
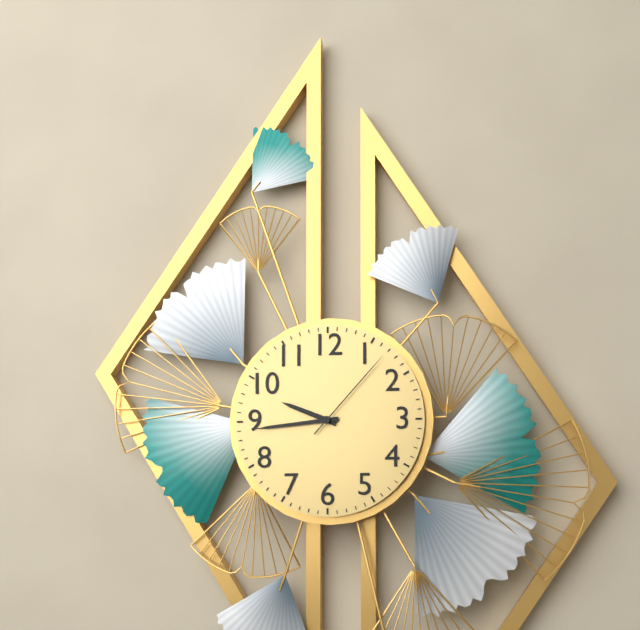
**9:44:07**
